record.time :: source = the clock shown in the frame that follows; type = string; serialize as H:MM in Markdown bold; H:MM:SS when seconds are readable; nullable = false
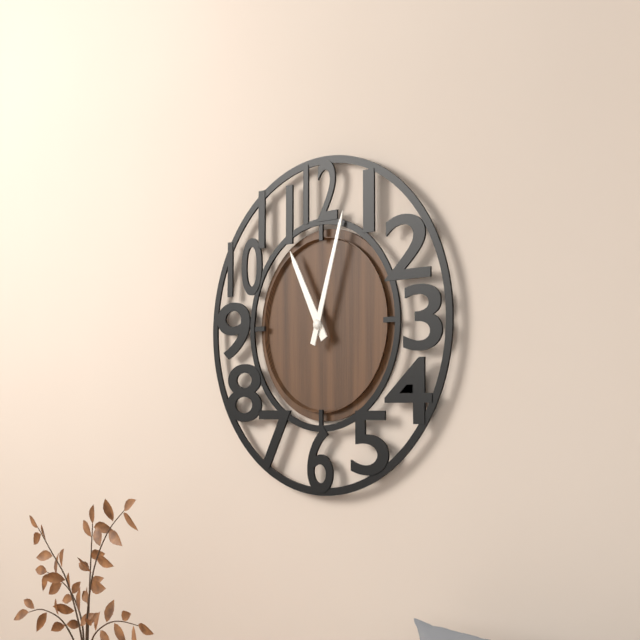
**11:03**
